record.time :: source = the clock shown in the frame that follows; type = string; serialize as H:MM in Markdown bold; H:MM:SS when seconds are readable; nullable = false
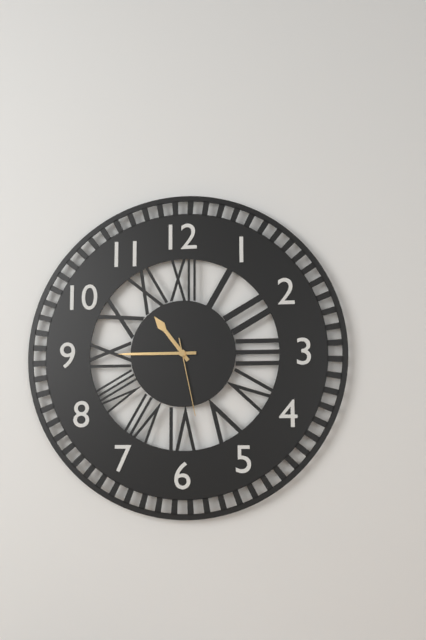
**10:45:28**
